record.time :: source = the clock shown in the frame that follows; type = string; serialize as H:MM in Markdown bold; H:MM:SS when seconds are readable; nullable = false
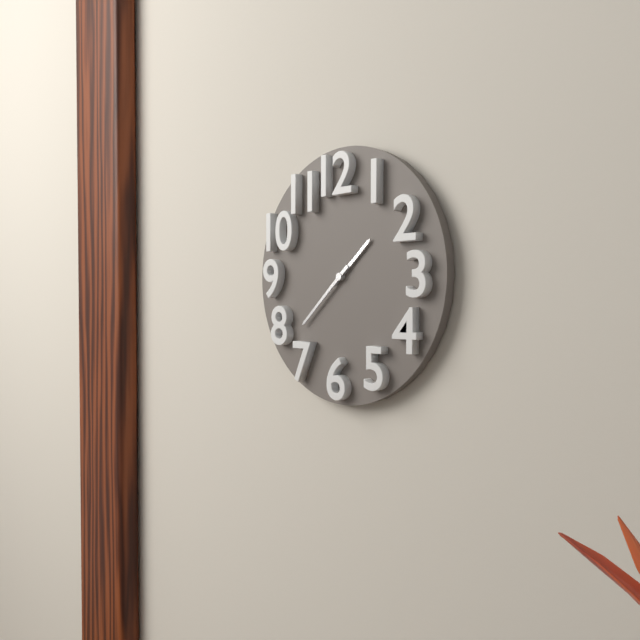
**1:38**
